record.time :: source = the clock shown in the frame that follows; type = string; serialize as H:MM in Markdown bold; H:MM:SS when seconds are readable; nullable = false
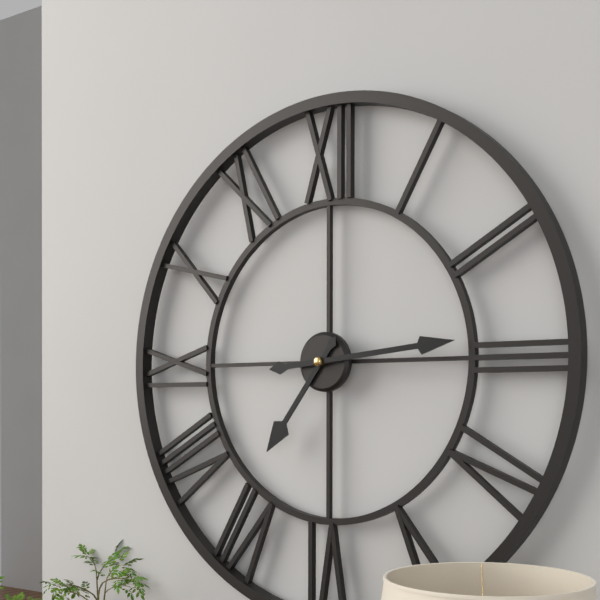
**7:14**
